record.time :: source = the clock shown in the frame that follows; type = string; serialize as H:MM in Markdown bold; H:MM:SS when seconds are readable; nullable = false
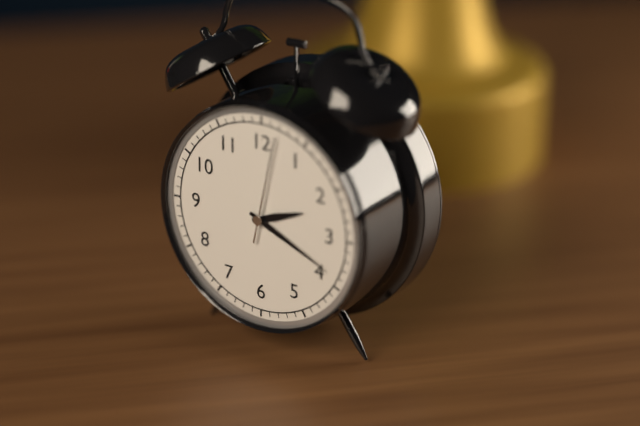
**2:19:02**
